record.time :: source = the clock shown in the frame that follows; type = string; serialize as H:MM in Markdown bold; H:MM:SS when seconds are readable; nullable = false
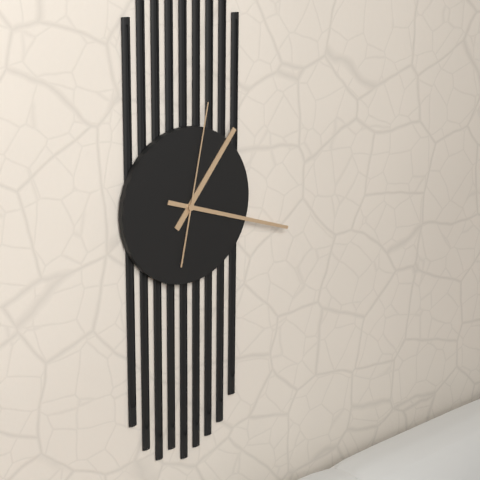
**1:18:02**
